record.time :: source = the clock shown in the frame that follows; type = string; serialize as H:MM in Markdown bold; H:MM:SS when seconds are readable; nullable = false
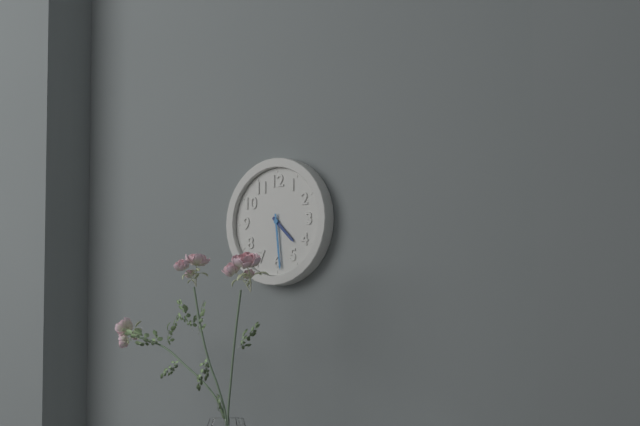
**4:29**
